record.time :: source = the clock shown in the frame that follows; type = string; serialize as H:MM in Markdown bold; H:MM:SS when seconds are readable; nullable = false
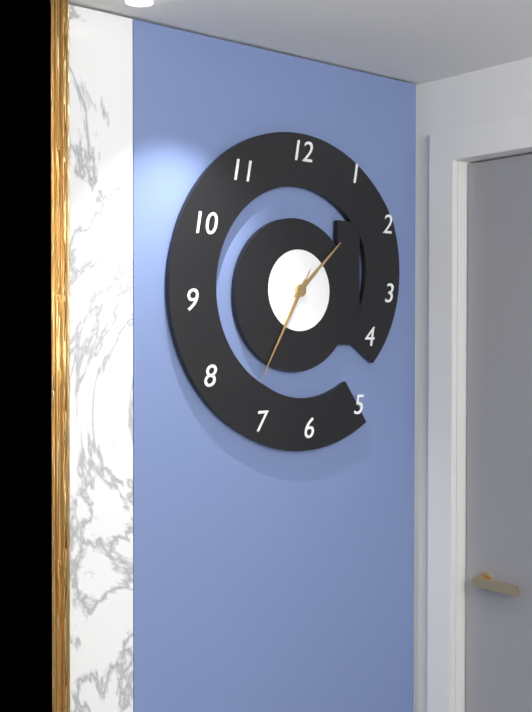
**1:35:35**
